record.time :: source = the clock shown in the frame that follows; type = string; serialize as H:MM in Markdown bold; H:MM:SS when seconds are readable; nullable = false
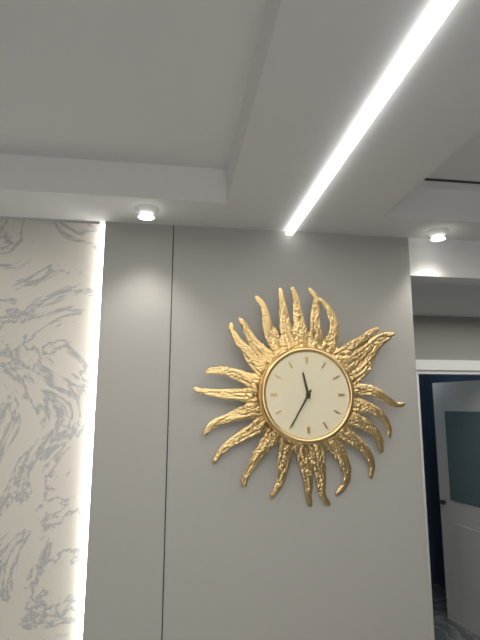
**11:35**
